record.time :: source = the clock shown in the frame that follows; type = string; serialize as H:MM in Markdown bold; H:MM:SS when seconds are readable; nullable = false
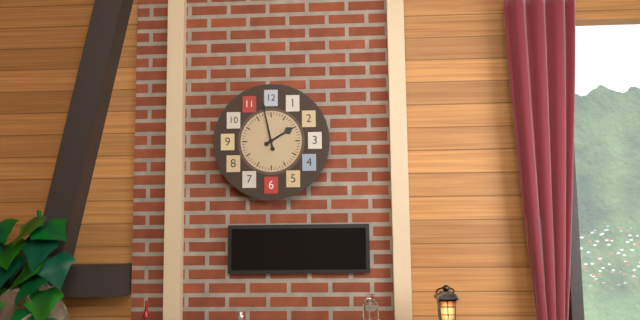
**1:58**
